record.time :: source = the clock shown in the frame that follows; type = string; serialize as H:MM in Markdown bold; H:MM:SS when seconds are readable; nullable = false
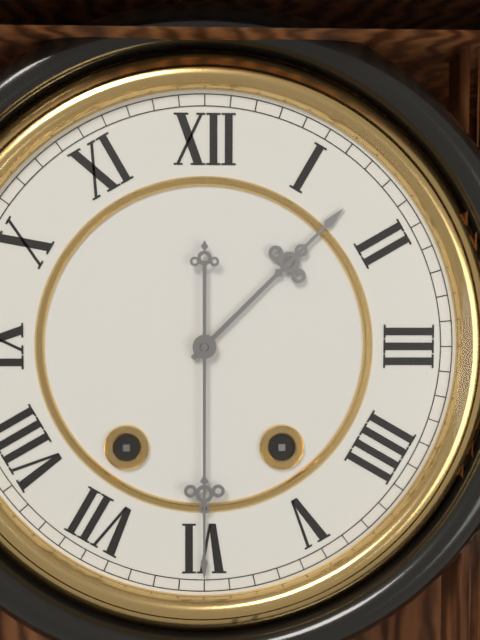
**1:30**
